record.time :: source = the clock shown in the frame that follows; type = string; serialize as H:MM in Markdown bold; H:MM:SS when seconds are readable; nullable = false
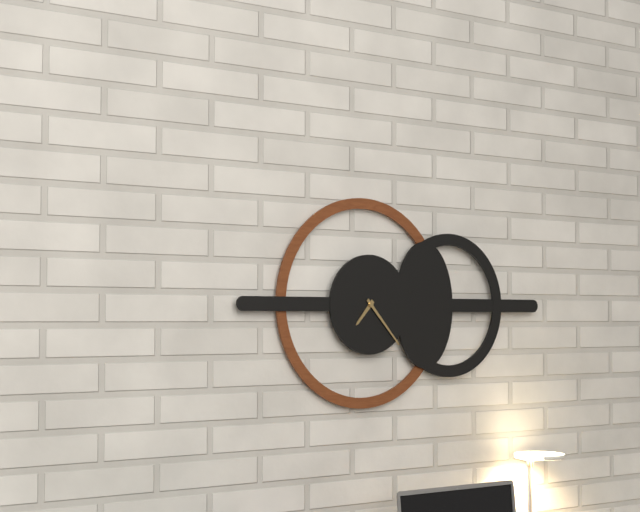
**7:23**
